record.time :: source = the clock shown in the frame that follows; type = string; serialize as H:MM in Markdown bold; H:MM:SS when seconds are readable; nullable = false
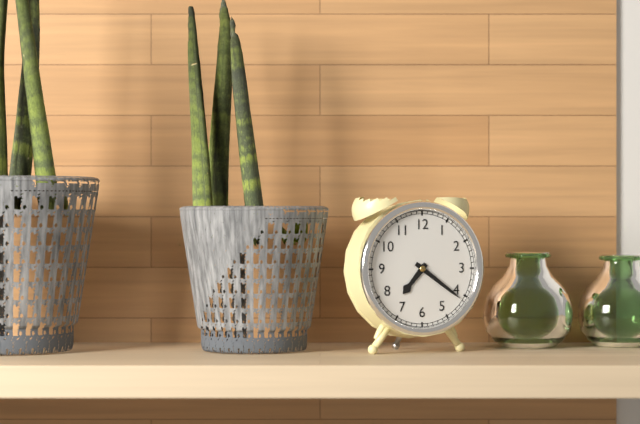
**7:21**
